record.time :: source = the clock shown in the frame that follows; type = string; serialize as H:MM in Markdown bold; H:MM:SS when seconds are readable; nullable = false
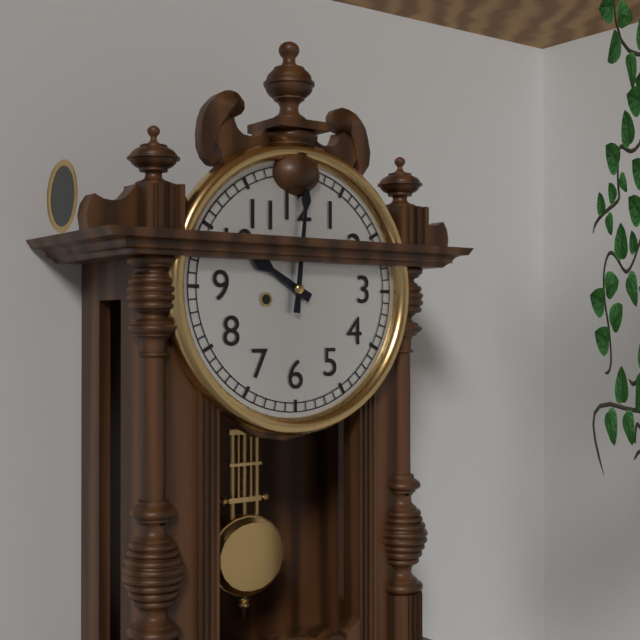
**10:01**
